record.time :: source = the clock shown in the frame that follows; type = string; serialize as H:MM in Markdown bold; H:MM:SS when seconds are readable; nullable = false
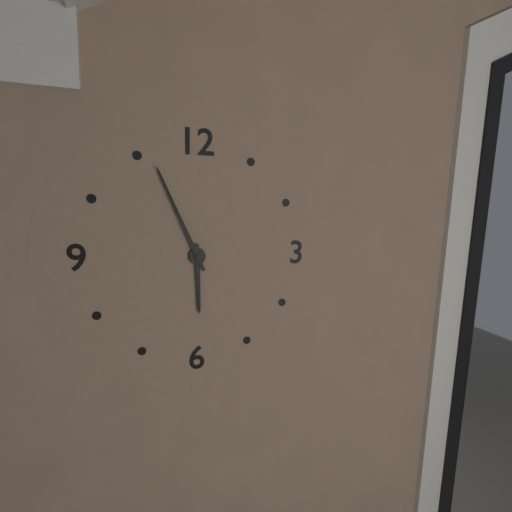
**5:56**
